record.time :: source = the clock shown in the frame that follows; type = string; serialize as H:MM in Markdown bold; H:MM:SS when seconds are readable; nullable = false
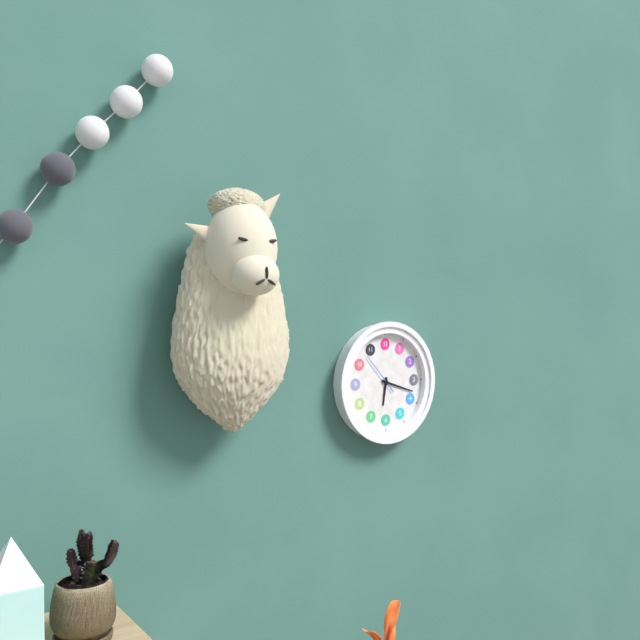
**6:18**
